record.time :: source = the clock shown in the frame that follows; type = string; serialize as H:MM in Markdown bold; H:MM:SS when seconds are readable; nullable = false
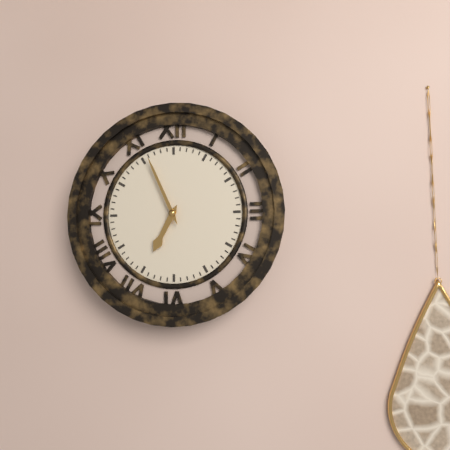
**6:56**
